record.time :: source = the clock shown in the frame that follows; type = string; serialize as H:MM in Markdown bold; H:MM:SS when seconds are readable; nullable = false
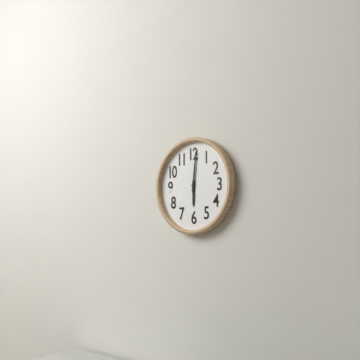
**6:01**
